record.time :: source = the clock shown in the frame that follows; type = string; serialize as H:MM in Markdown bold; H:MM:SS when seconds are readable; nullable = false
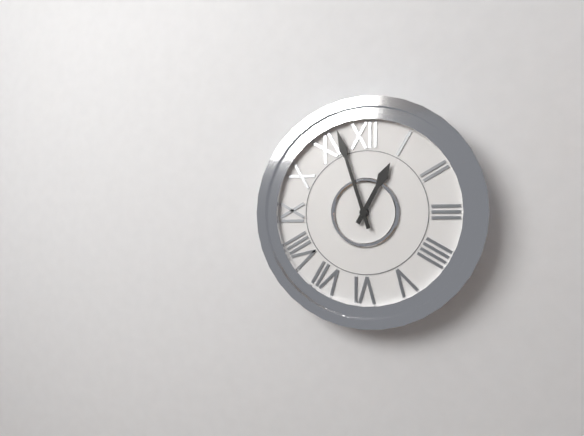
**12:57**
